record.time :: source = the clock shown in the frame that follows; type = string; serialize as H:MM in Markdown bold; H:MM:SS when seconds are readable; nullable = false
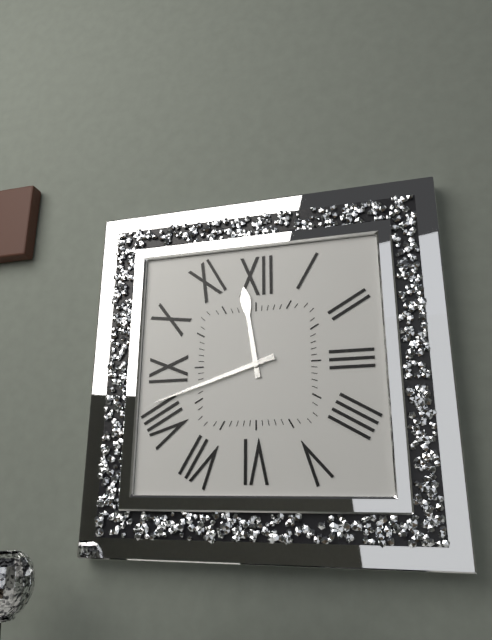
**11:42**
